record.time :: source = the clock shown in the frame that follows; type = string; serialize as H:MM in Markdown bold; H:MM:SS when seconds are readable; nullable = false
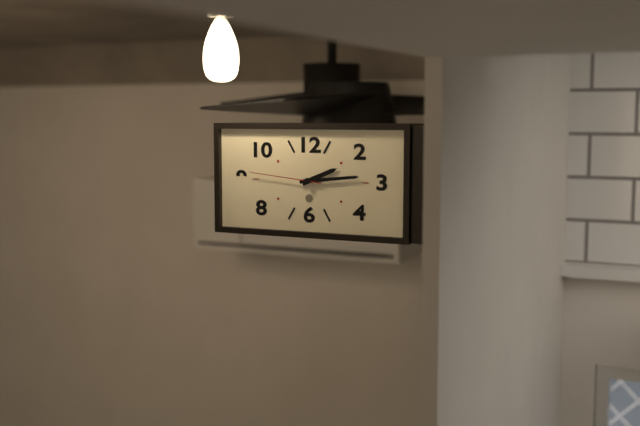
**2:14:46**
